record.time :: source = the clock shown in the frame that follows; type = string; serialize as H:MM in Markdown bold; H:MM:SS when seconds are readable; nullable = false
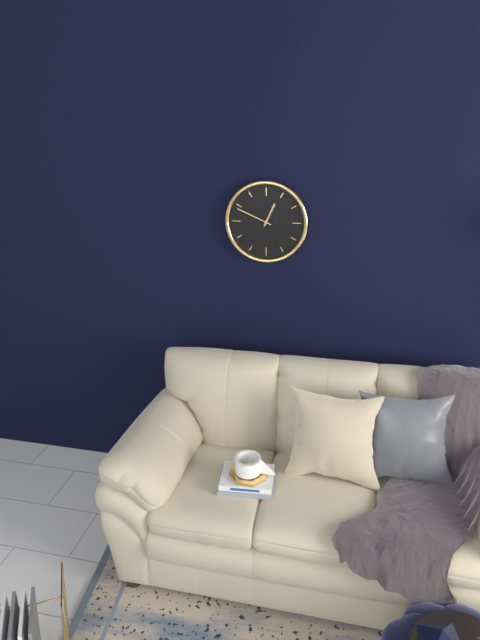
**12:49**
